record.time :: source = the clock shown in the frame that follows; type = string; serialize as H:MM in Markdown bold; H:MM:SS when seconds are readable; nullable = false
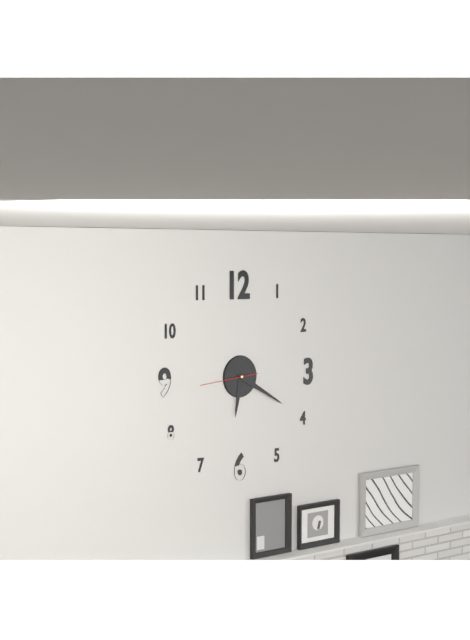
**6:20:44**
